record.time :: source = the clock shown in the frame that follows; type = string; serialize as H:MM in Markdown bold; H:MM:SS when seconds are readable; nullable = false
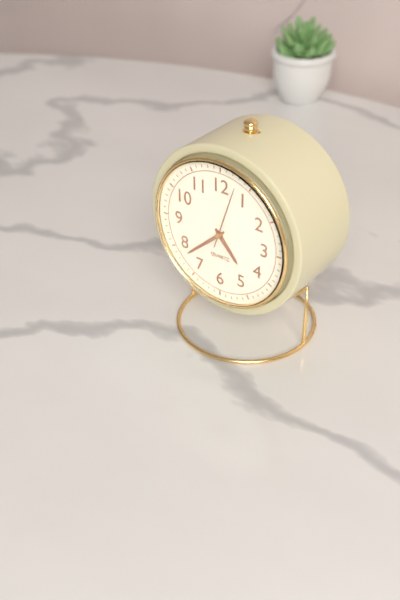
**4:38:03**
